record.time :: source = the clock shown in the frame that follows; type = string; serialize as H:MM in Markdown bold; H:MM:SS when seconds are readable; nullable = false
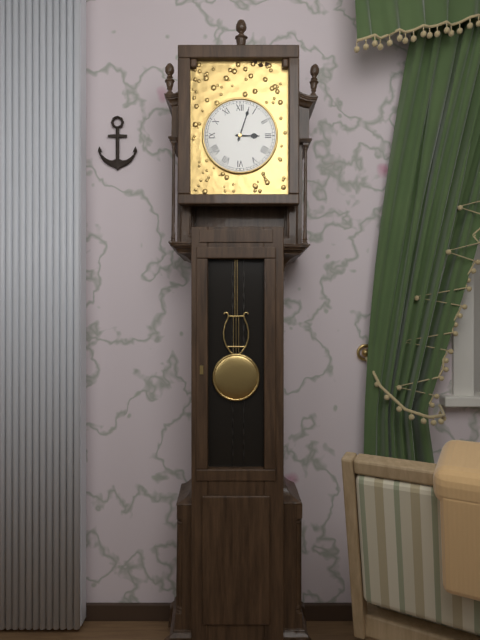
**3:03**
